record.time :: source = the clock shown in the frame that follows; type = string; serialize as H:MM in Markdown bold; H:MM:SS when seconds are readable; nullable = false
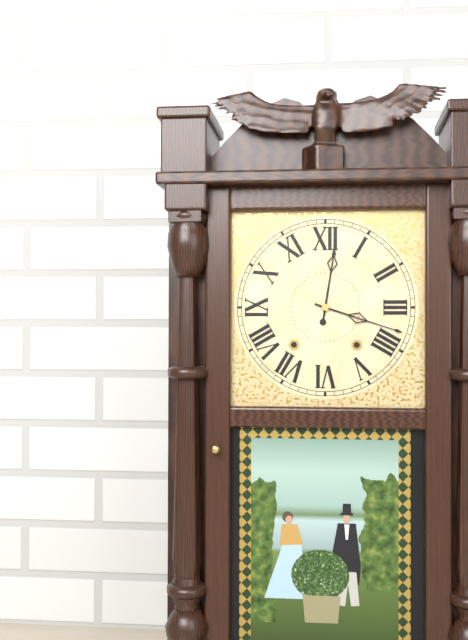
**12:18**
